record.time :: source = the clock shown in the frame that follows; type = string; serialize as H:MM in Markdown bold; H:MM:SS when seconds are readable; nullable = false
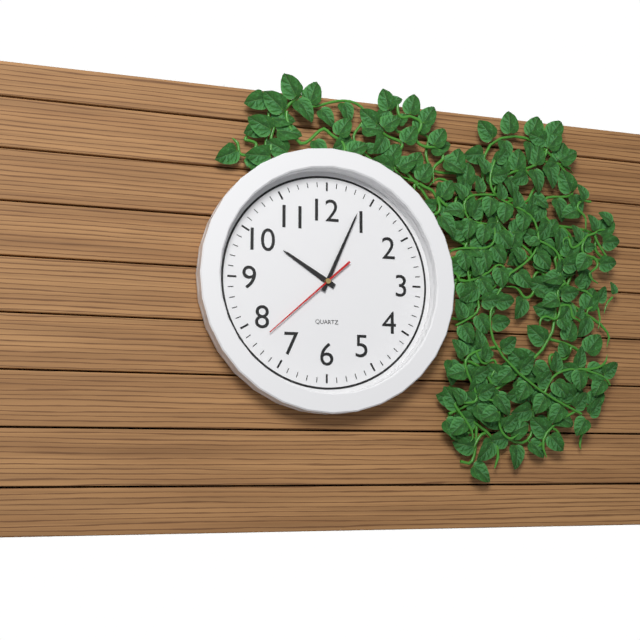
**10:04:38**
